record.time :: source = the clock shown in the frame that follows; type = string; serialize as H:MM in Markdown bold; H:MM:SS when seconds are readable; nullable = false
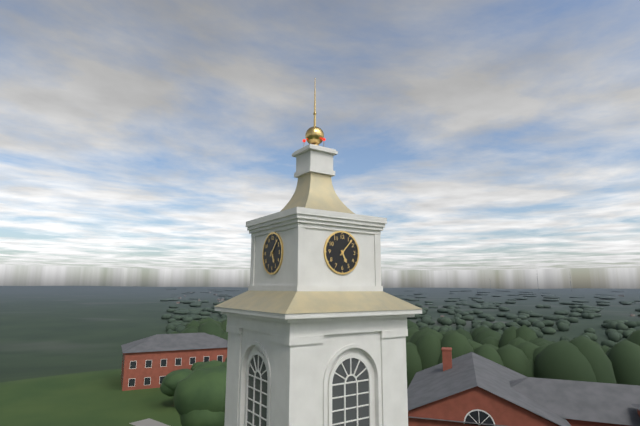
**5:07**
